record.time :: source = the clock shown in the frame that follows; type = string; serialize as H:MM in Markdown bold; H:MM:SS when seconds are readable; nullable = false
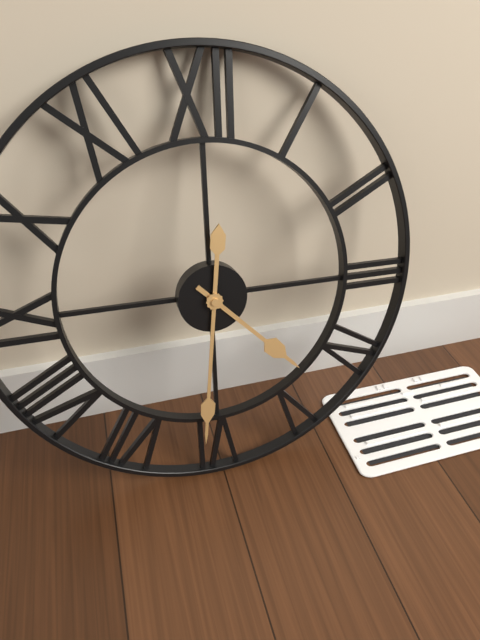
**4:31**
